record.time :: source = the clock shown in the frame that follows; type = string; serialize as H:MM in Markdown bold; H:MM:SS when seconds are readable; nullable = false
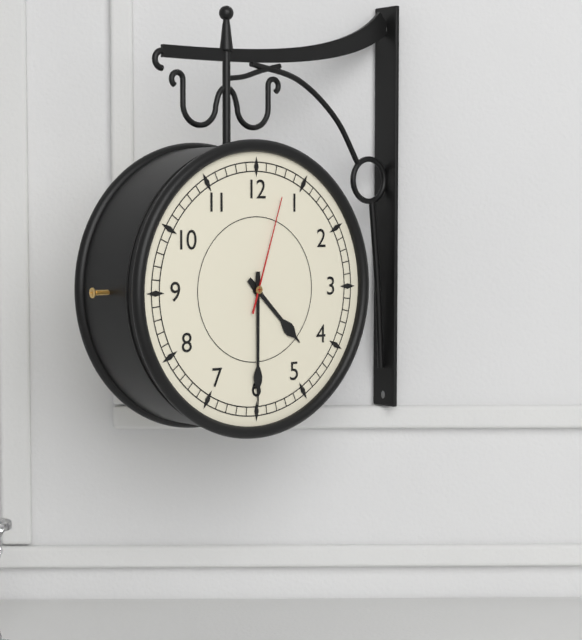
**4:30:03**
